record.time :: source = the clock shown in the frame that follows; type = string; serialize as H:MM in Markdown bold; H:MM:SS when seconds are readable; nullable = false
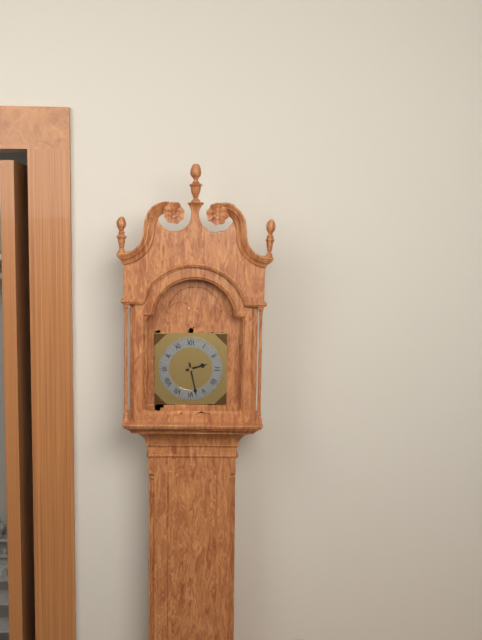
**2:28**
